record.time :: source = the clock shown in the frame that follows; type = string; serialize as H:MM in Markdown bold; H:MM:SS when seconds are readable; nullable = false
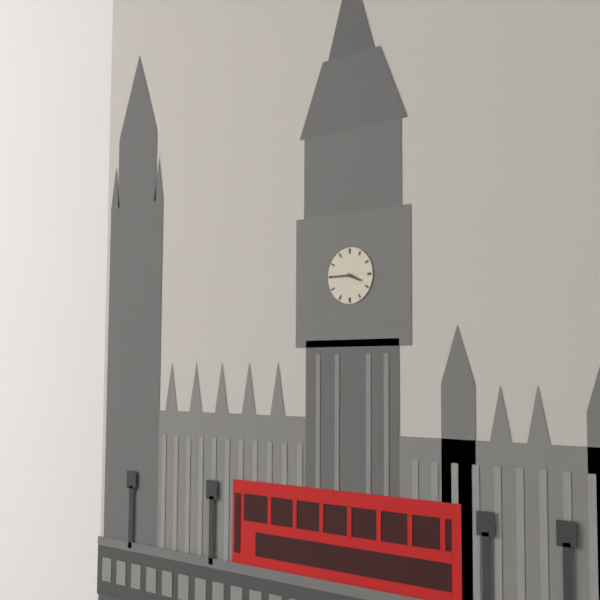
**3:45**
